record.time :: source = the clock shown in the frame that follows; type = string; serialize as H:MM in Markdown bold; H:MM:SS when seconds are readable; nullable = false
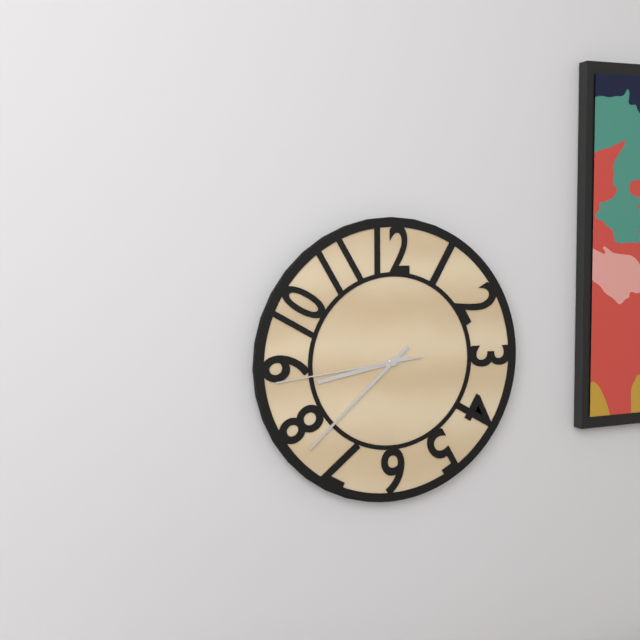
**8:38:44**
